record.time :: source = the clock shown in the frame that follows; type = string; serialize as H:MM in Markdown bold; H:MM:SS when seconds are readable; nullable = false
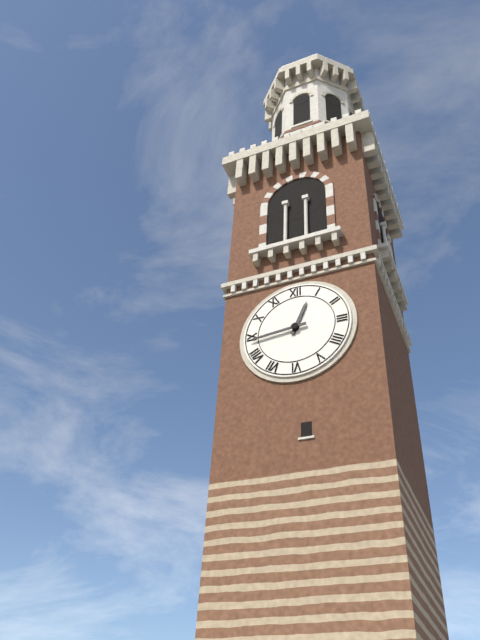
**12:44**
